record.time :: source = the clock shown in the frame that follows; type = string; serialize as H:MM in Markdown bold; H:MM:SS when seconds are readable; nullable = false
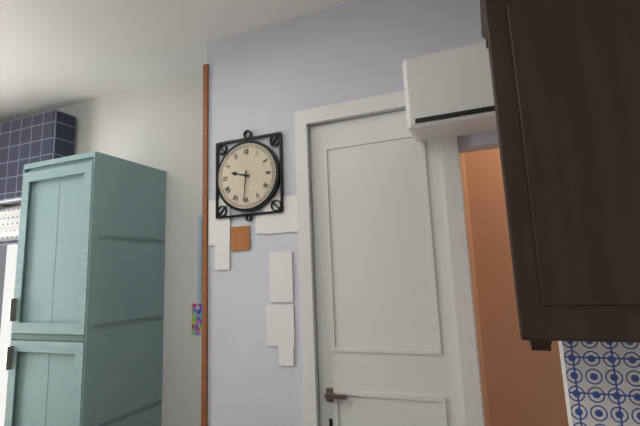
**9:31**
